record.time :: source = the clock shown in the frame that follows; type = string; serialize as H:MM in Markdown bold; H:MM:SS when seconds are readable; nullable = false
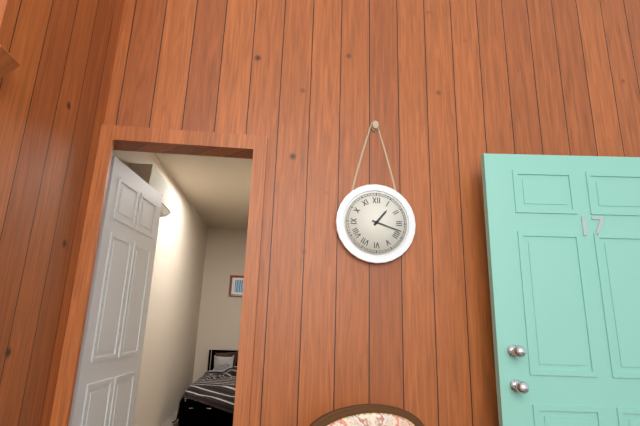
**1:18**
